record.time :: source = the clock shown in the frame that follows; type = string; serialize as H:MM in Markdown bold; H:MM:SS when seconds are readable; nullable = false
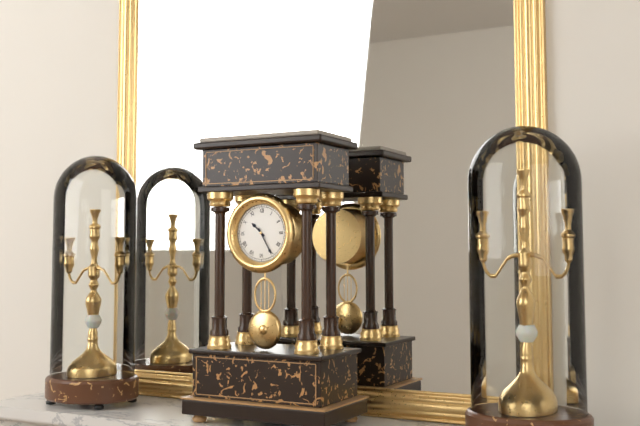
**10:25**
